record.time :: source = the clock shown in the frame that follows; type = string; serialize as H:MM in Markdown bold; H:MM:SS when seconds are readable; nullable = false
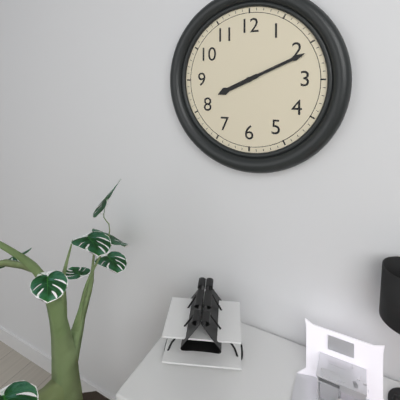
**8:11**
